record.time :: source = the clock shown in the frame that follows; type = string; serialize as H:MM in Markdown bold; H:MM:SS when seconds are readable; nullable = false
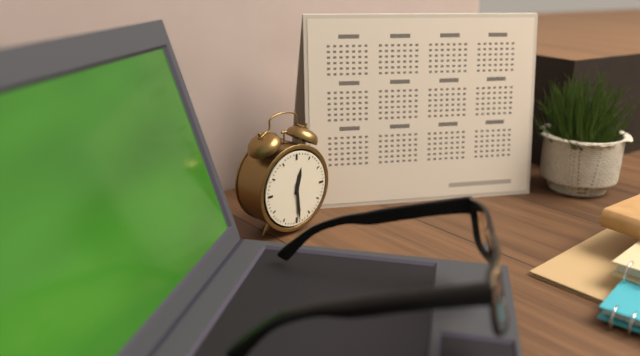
**12:29**
